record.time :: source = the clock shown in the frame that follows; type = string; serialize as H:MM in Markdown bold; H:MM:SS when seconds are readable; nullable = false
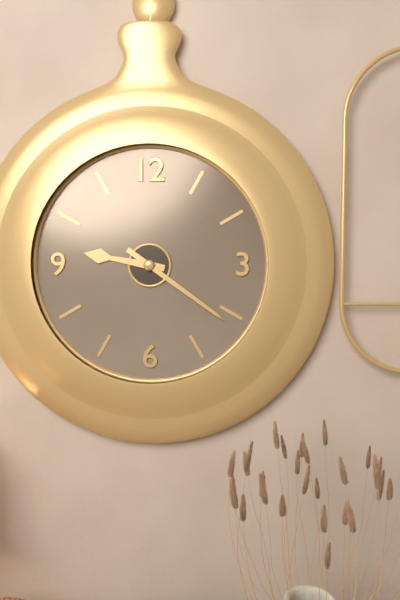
**9:21**
